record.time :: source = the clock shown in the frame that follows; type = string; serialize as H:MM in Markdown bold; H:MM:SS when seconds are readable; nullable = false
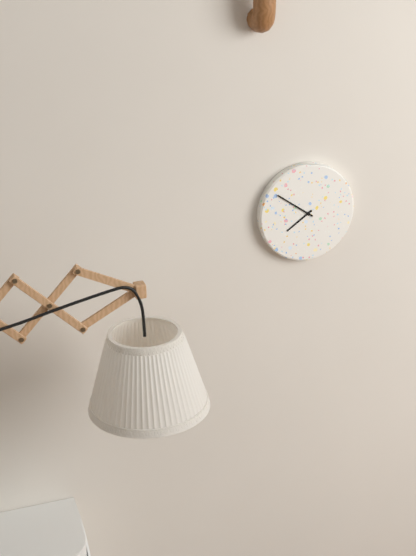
**7:51**
